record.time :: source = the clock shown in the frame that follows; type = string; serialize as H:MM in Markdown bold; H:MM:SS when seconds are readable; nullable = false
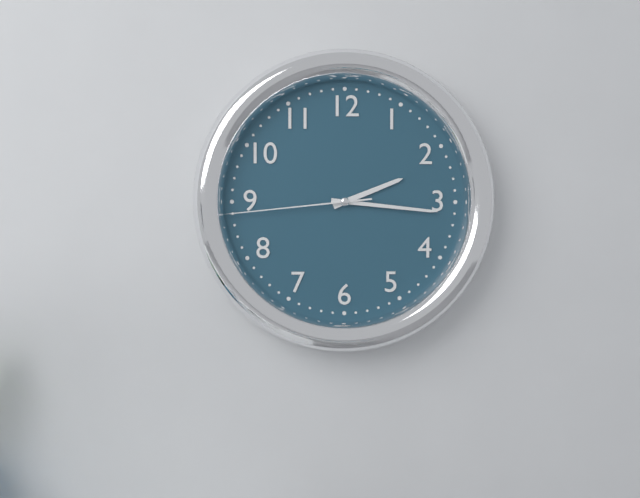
**2:16:44**
